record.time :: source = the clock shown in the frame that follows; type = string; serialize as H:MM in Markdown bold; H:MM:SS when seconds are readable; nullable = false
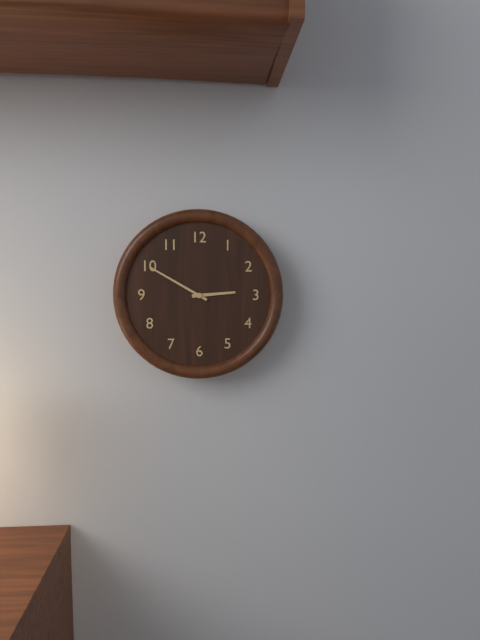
**2:50**
